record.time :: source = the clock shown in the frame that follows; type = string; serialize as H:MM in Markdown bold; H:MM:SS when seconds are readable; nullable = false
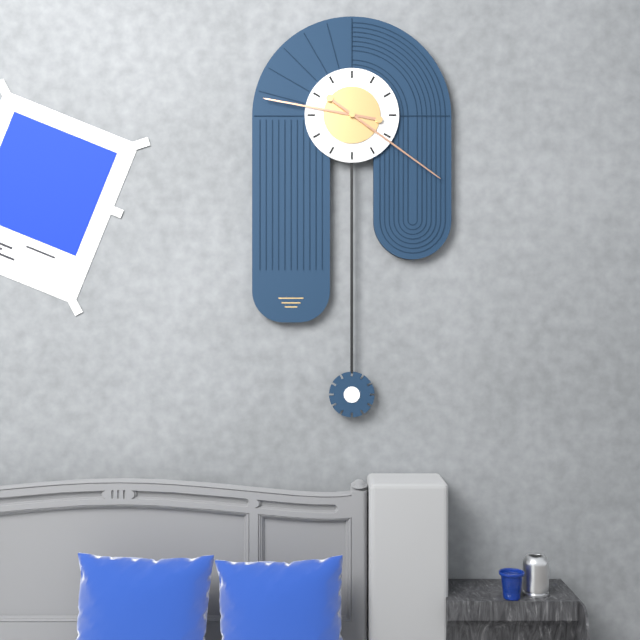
**9:21**
